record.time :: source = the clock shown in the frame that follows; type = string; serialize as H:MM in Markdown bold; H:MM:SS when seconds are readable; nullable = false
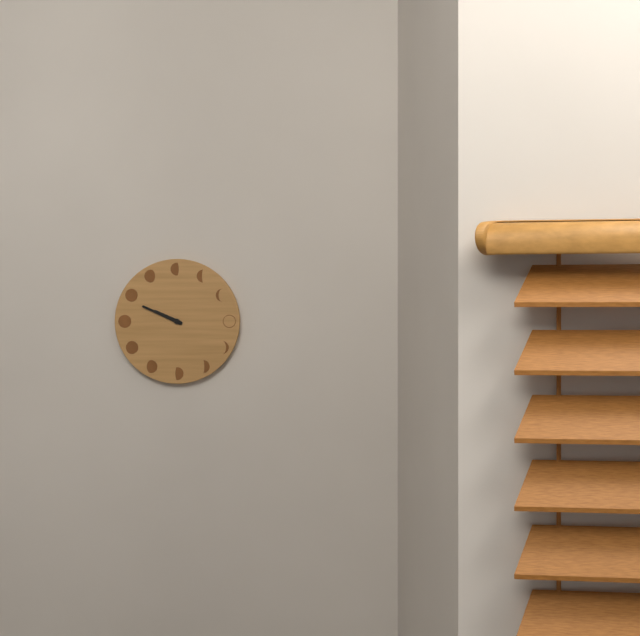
**9:49**
